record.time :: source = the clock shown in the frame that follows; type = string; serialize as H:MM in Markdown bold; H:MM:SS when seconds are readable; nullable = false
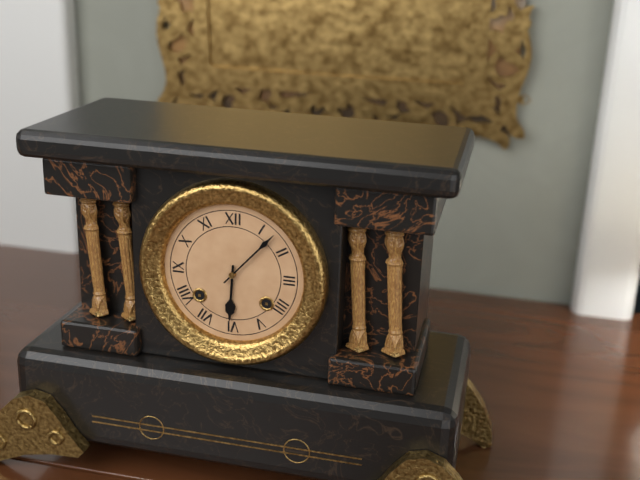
**6:07**
